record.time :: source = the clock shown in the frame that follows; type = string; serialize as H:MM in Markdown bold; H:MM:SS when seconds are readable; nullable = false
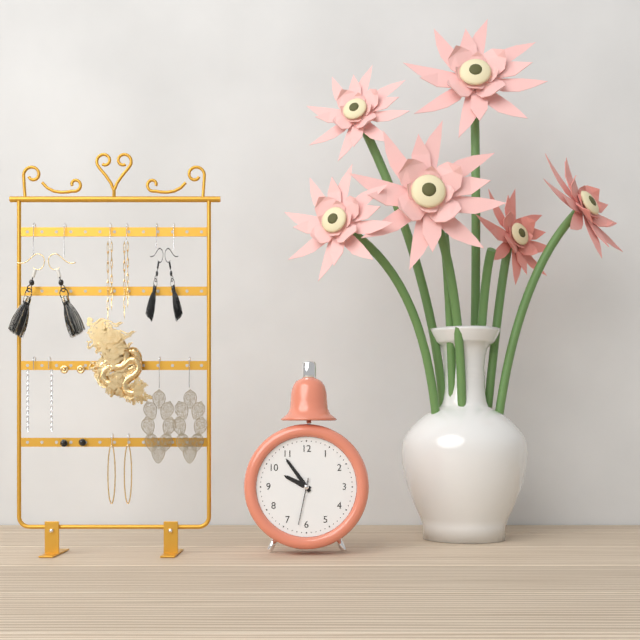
**9:54**
